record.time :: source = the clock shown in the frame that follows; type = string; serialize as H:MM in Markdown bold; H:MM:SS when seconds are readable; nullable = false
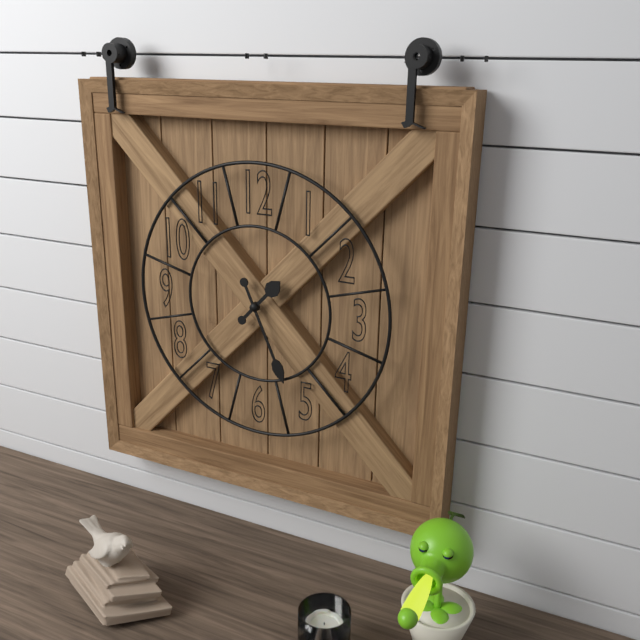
**1:26**
